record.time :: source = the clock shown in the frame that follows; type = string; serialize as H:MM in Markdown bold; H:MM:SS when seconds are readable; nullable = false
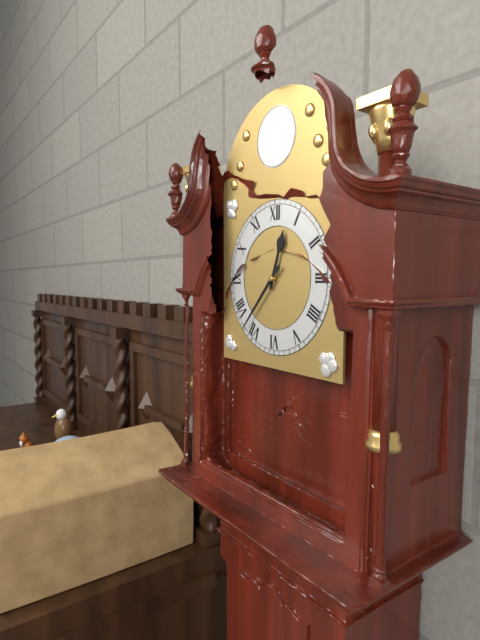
**12:37**
